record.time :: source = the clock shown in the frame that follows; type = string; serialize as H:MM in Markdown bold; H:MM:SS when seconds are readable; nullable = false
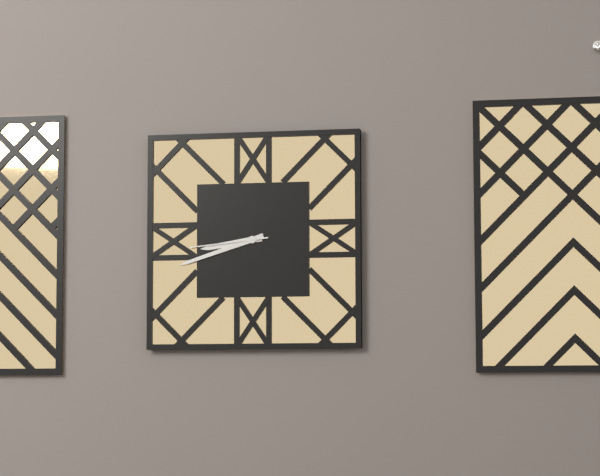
**8:42:44**
